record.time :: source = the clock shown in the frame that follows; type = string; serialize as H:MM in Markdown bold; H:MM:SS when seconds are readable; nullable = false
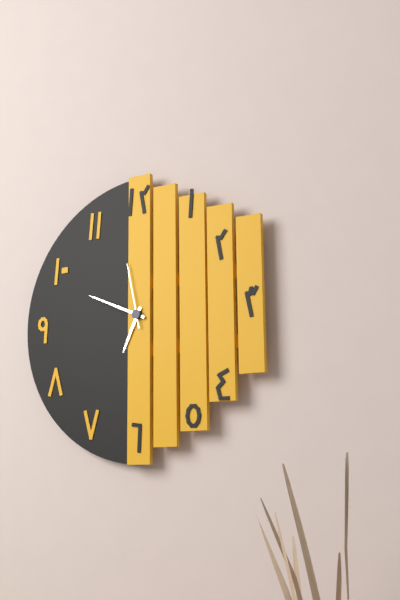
**6:49:58**
